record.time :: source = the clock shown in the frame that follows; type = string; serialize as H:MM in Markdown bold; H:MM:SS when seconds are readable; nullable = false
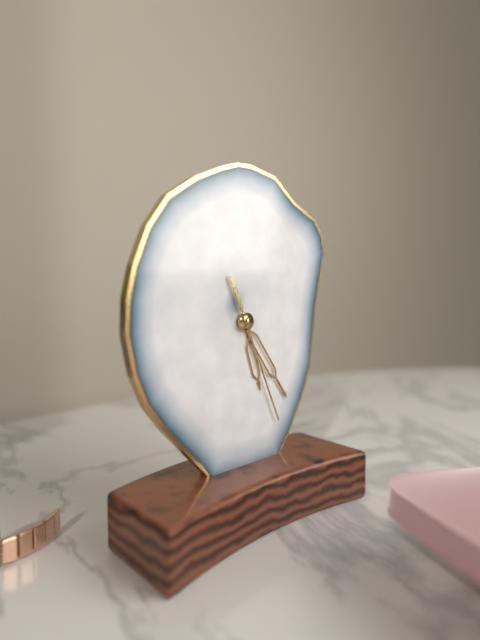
**5:24:26**
